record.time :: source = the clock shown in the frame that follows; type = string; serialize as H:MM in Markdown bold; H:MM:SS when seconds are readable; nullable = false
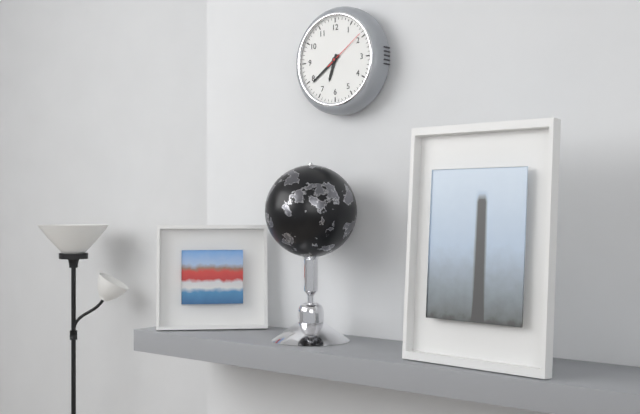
**6:39**
